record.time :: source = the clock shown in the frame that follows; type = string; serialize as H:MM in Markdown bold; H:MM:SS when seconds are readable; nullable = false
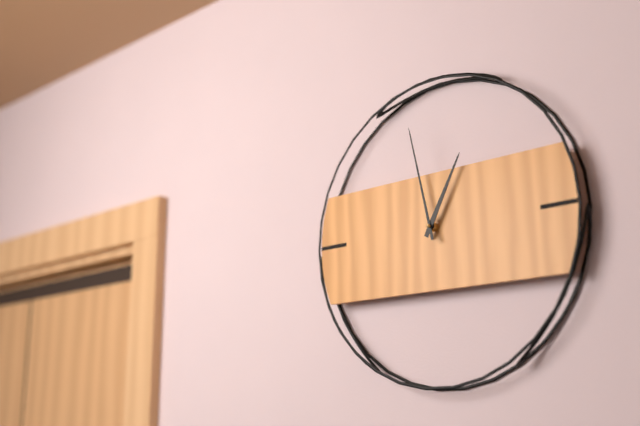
**12:58**
